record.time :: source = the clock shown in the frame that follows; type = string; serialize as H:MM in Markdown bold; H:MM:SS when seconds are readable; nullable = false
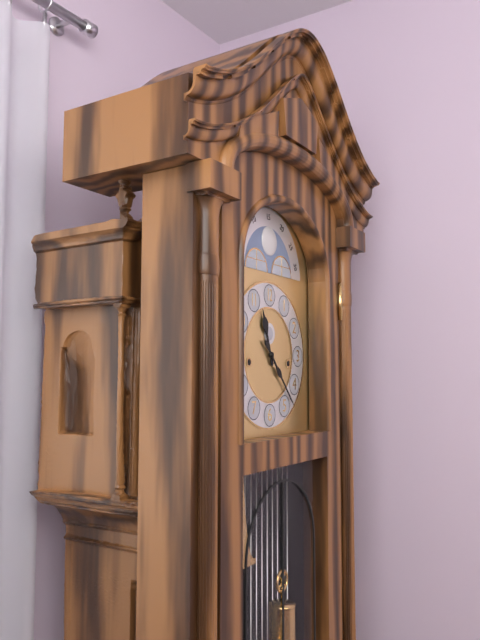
**11:23**
